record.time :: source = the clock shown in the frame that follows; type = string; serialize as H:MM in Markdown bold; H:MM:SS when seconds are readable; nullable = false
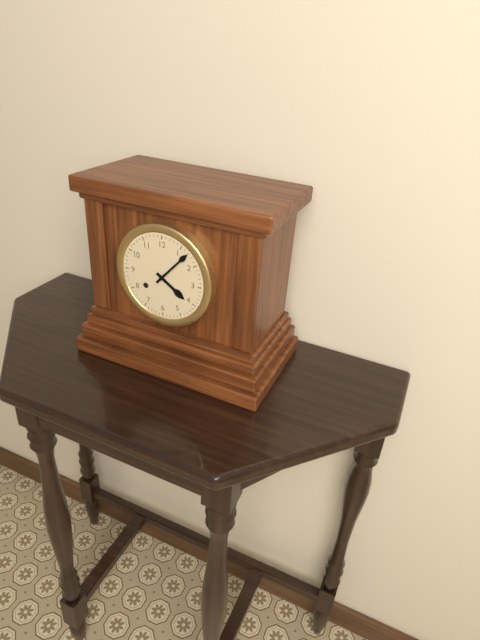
**4:07**
